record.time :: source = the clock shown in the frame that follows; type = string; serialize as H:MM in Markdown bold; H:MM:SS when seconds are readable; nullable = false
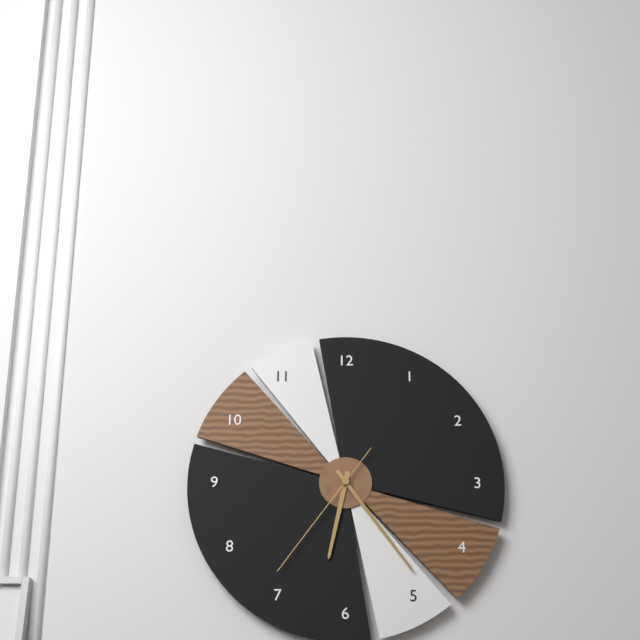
**6:24:36**
